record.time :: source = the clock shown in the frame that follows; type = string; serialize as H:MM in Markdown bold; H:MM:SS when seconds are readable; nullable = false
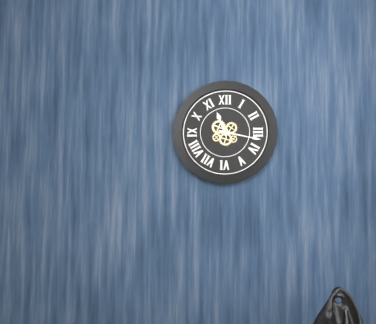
**11:17**
